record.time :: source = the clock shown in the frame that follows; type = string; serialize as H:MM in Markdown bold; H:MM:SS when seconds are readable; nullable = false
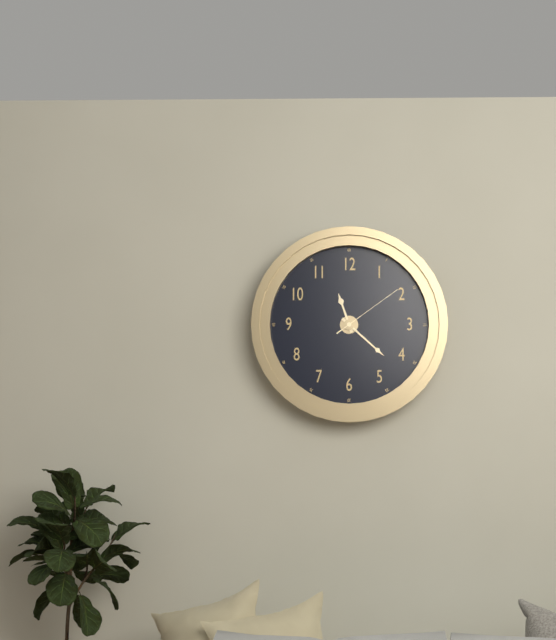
**11:22:09**
